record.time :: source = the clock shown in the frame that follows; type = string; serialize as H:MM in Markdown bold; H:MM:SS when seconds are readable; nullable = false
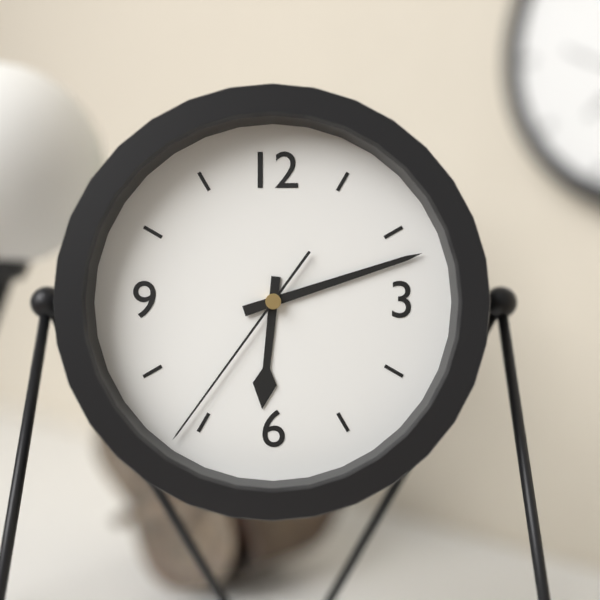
**6:12:36**
